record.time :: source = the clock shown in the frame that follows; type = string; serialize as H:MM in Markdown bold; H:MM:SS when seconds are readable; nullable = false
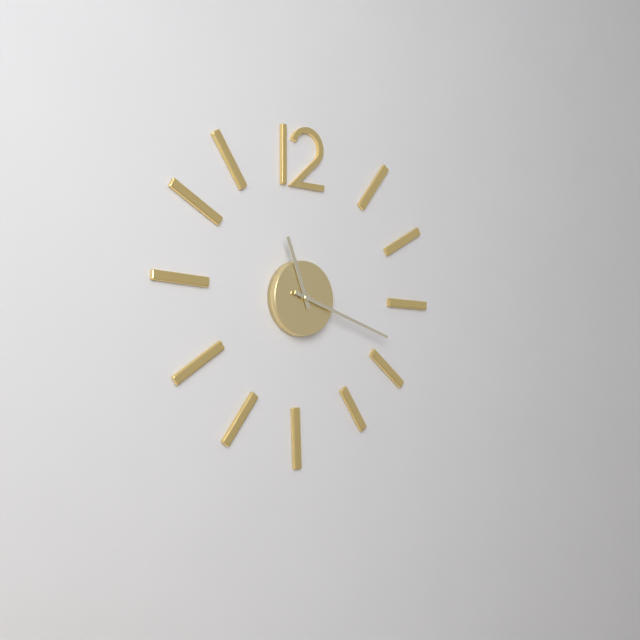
**11:18**
